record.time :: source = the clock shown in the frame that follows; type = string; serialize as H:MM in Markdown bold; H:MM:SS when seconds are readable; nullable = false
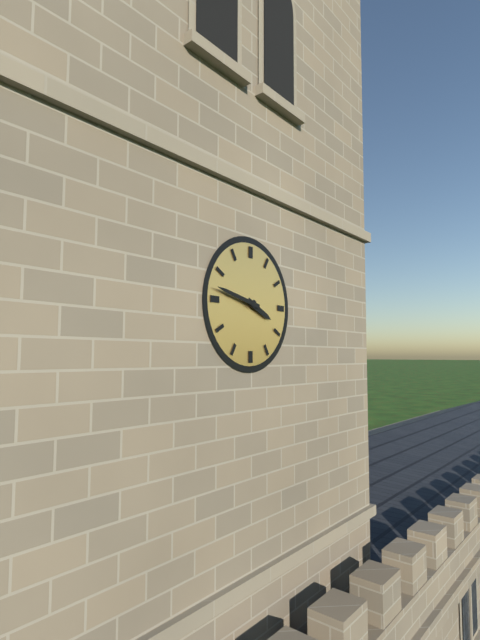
**3:47**
